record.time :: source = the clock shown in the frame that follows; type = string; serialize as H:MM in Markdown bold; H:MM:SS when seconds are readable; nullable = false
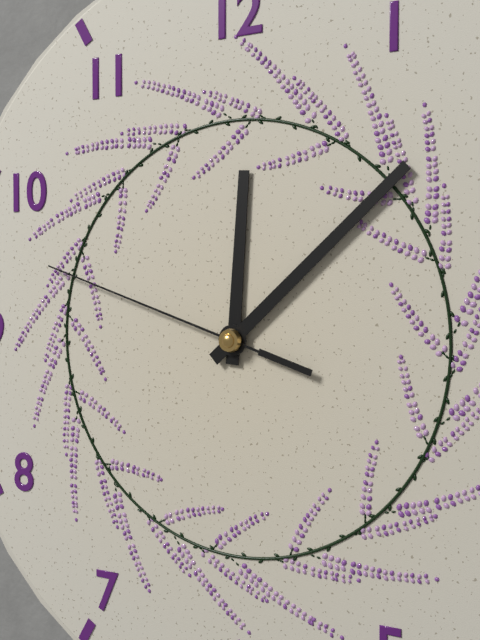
**12:08:48**
